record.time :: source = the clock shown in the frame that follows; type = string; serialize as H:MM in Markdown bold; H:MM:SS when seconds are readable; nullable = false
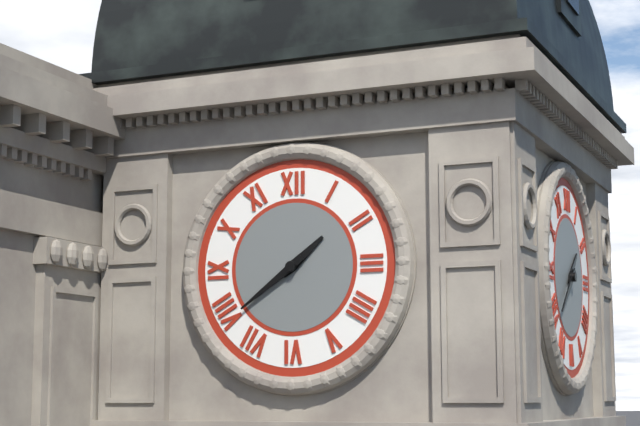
**1:39**
